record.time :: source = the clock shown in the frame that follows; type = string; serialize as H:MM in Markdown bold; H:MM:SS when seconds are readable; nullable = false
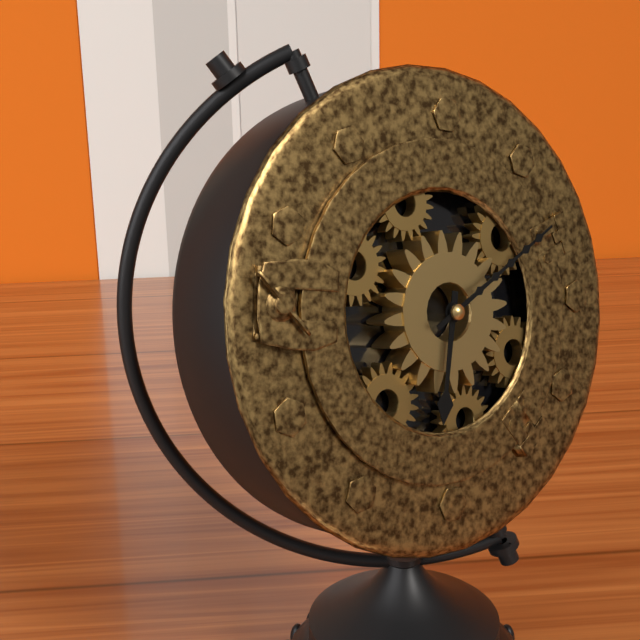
**6:09**
